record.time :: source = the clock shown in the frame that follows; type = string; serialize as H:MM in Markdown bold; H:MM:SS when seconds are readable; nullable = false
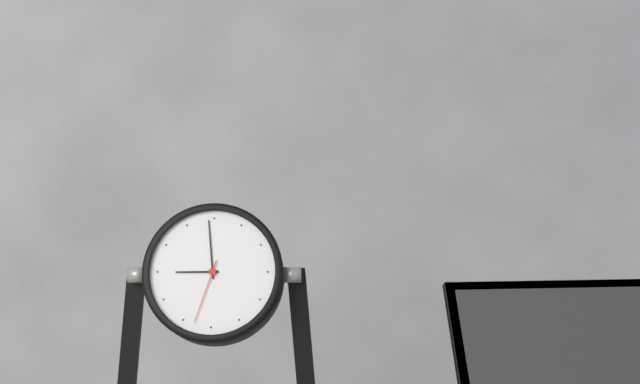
**8:59:33**
